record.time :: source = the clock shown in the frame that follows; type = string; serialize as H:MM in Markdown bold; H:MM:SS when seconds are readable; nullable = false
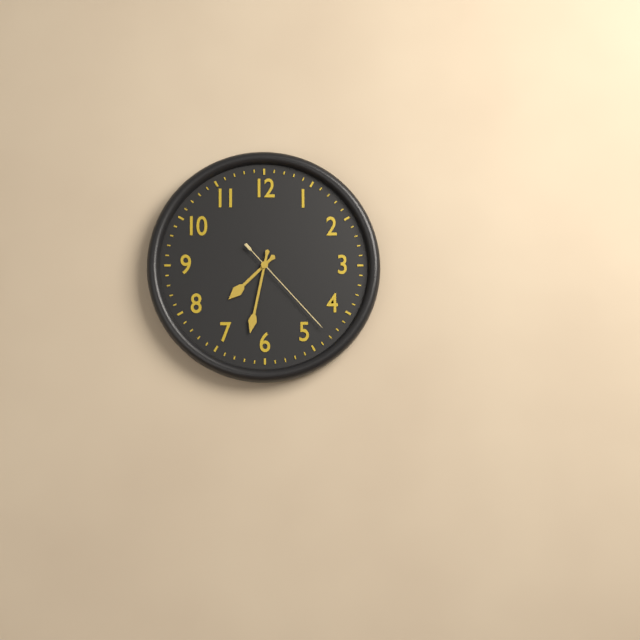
**7:32:23**
